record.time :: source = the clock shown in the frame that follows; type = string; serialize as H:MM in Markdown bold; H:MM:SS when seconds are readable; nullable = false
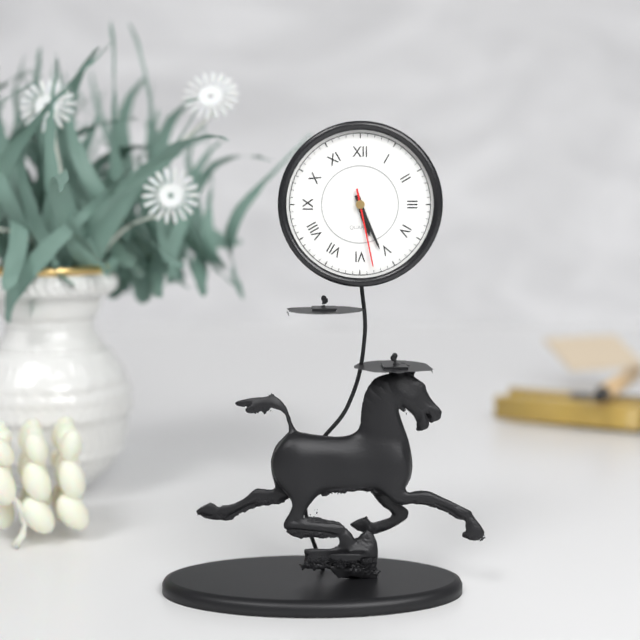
**5:26:28**
